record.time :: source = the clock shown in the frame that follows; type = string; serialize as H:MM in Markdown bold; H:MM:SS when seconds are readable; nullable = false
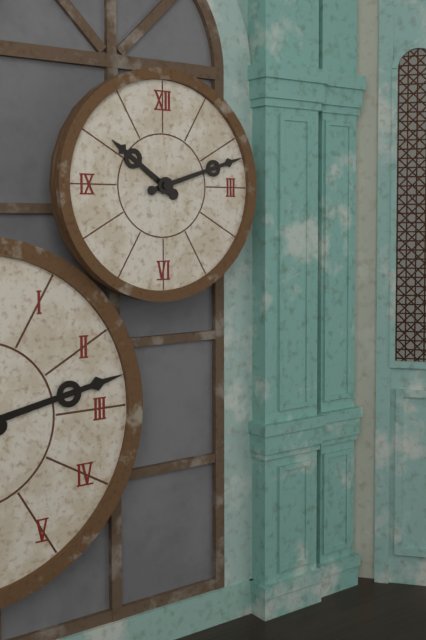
**10:12**
